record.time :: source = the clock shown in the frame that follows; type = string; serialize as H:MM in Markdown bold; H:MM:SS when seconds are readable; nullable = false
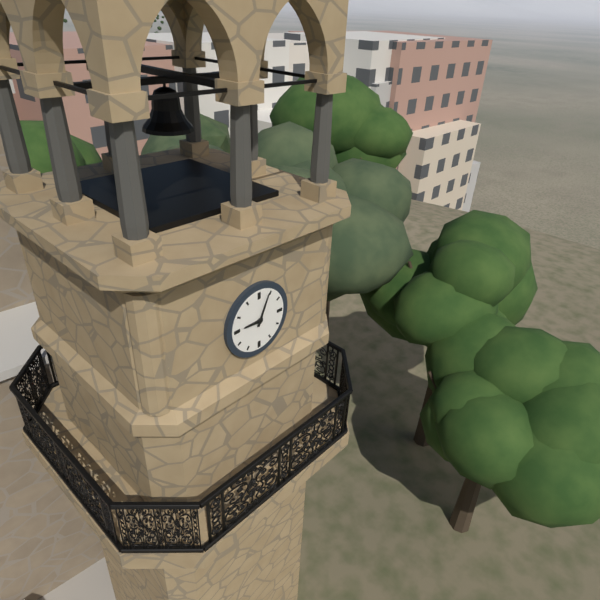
**9:04**
